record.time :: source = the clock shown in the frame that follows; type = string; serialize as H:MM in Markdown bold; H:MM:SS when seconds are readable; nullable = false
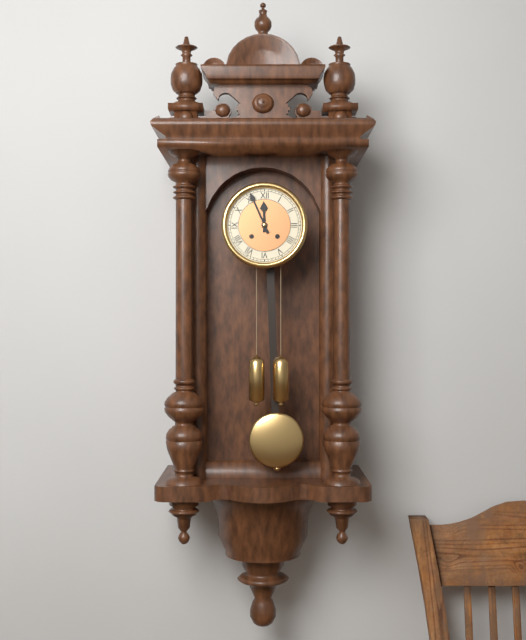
**11:56**
